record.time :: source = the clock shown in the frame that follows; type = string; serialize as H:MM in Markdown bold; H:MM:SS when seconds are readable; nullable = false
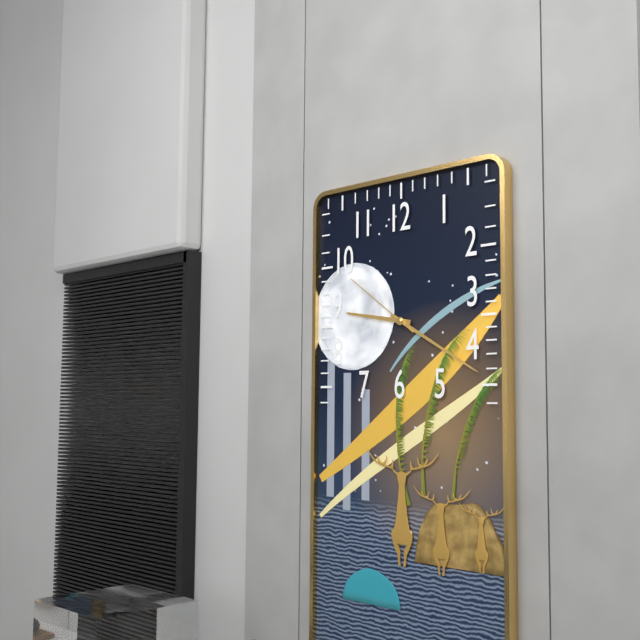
**9:20:51**
